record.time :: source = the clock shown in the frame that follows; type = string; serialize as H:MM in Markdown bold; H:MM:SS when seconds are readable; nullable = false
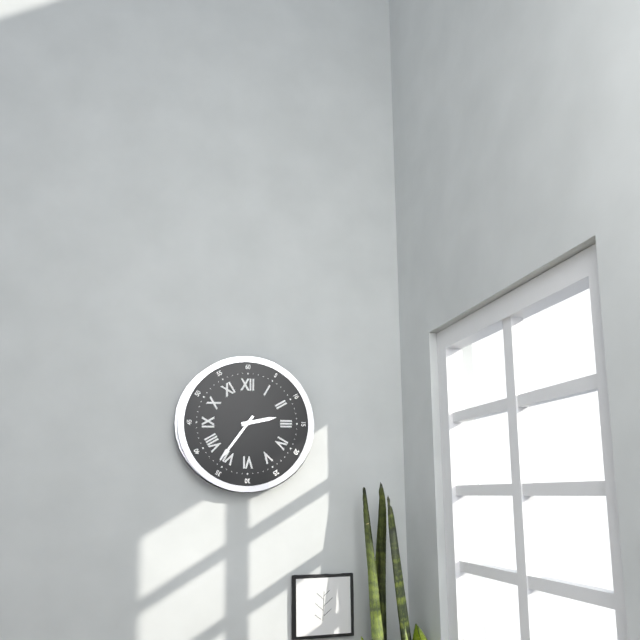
**2:36**
